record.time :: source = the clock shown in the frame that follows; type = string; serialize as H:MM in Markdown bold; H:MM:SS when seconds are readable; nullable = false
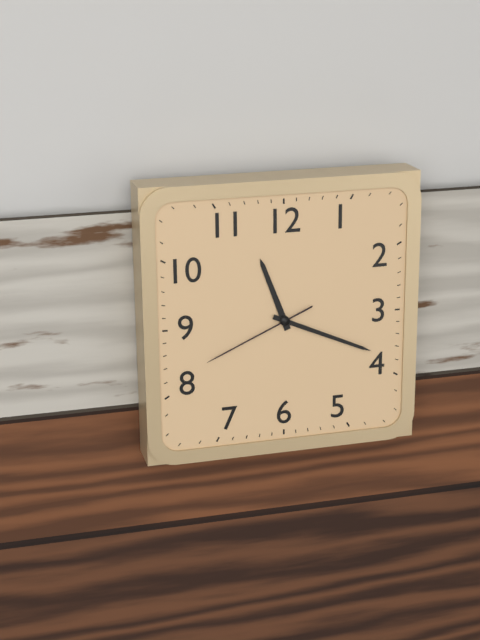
**11:19:41**
